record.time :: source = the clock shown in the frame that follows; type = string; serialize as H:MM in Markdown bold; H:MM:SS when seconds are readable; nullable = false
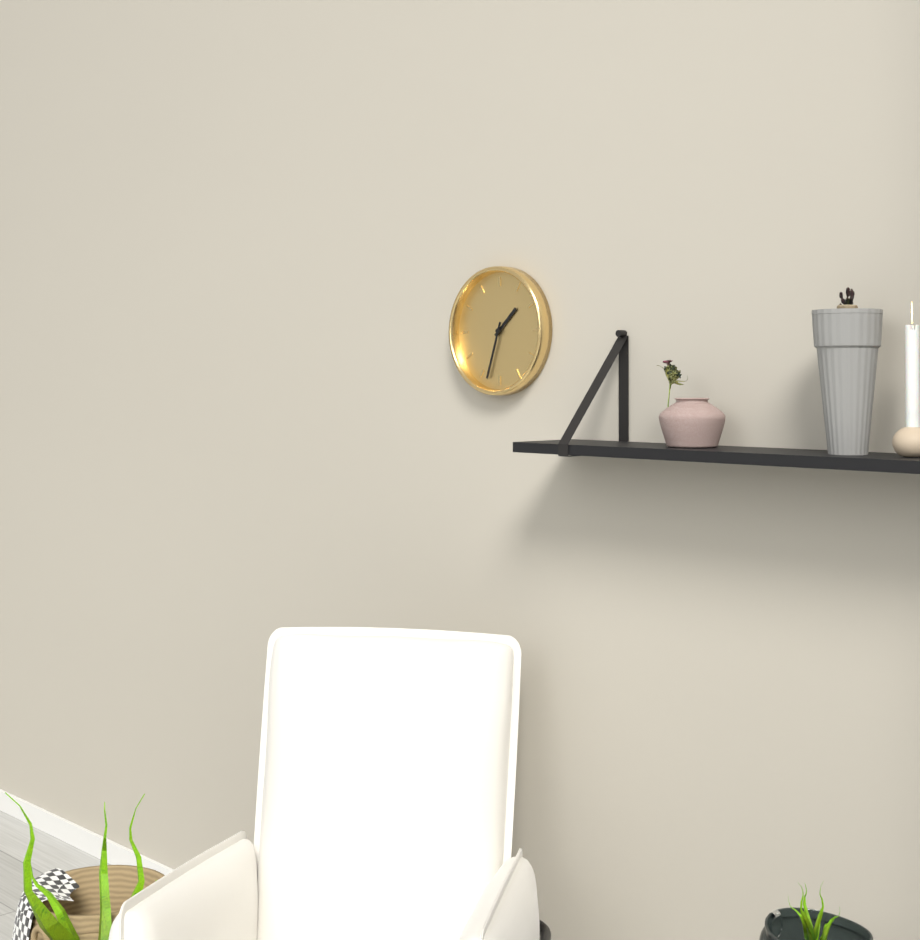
**1:33**
